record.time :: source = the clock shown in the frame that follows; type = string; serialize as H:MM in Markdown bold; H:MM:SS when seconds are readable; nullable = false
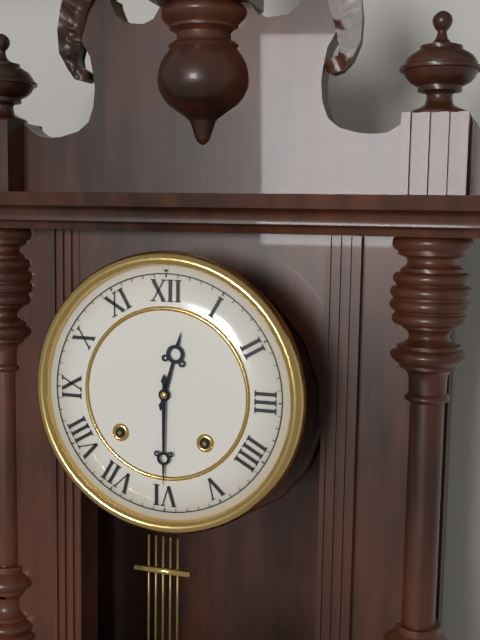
**12:30**
